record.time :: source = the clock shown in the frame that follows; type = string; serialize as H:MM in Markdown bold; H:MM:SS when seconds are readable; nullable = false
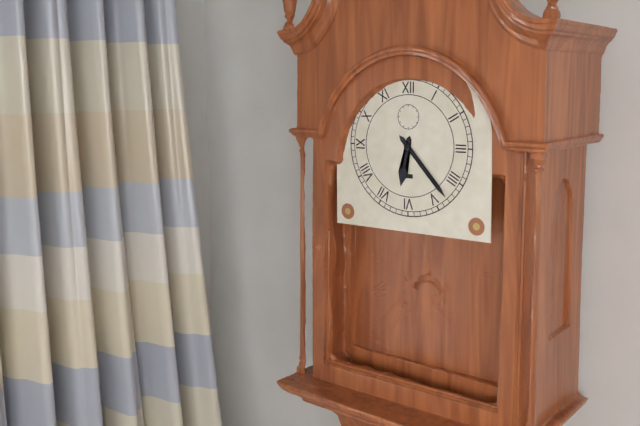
**6:23**
